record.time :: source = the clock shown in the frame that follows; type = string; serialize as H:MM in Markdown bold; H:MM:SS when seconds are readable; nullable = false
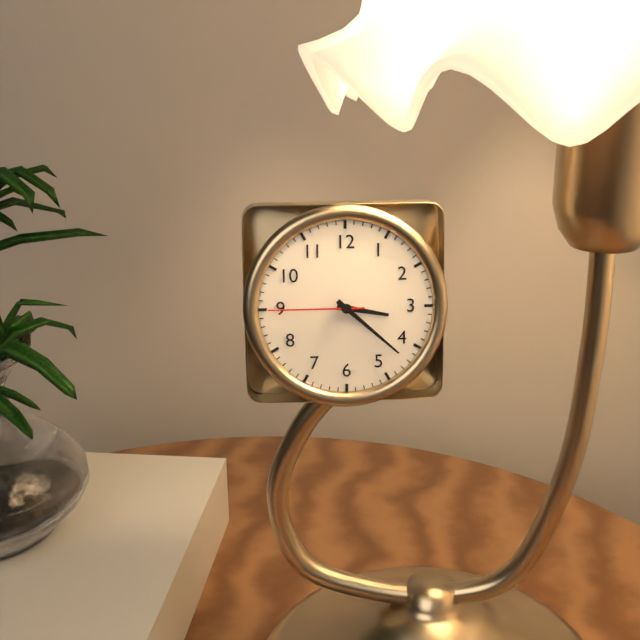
**3:22:45**
